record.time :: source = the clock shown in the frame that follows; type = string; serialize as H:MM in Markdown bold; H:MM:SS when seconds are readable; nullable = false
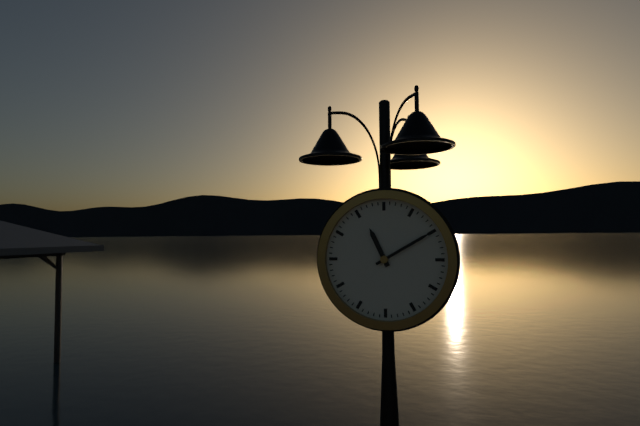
**11:10**
